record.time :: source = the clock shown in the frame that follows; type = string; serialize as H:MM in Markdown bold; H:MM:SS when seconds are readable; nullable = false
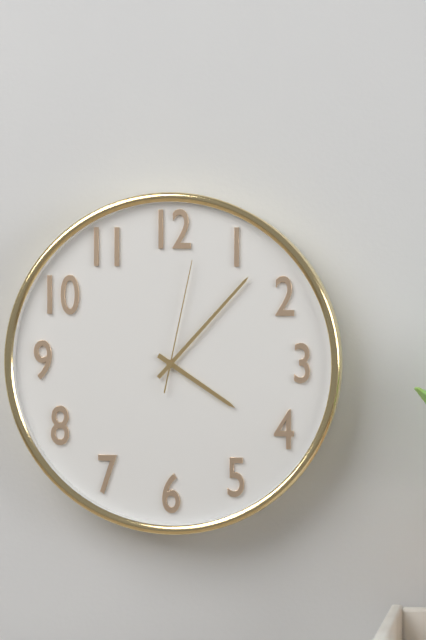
**4:07:02**
